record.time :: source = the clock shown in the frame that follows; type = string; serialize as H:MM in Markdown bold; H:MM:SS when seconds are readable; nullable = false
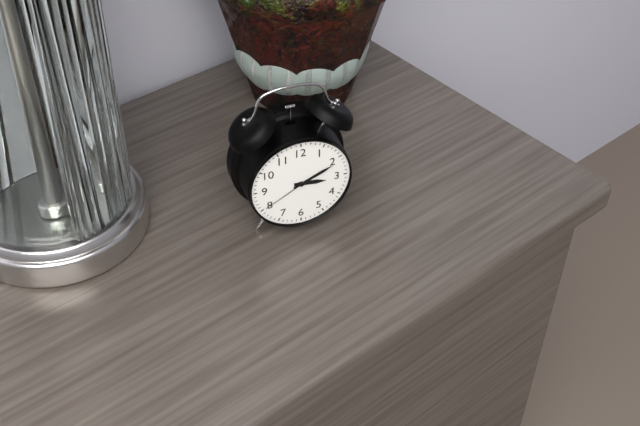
**3:11:40**
